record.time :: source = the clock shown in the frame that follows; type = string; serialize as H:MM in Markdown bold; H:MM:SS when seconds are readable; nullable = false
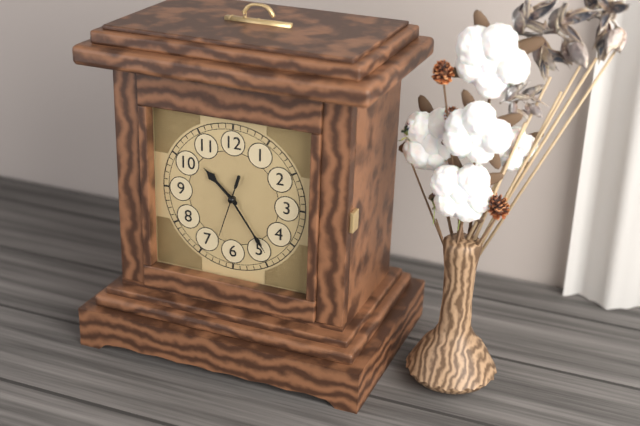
**10:24:33**
